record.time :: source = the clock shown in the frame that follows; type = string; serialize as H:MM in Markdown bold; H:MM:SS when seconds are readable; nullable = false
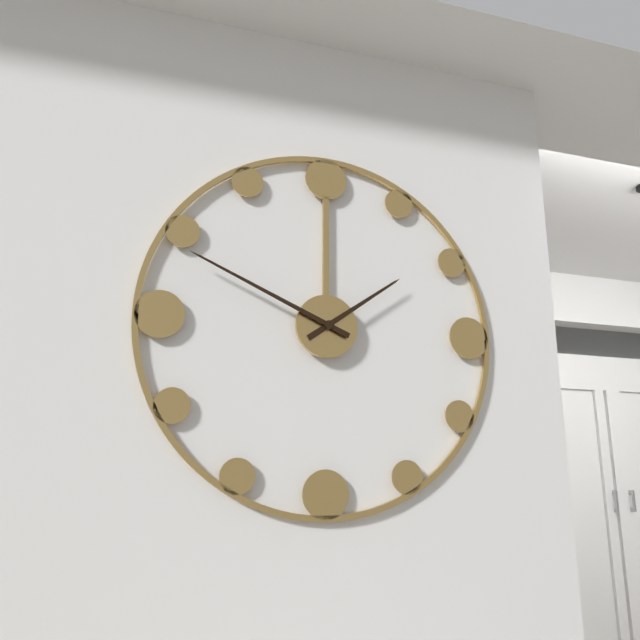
**1:49**
